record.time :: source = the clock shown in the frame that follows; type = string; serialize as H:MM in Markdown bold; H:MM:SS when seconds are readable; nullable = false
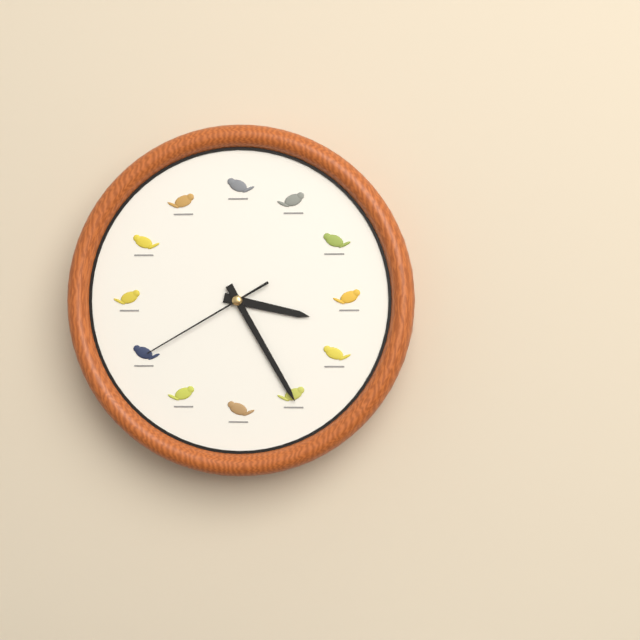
**3:25:40**
